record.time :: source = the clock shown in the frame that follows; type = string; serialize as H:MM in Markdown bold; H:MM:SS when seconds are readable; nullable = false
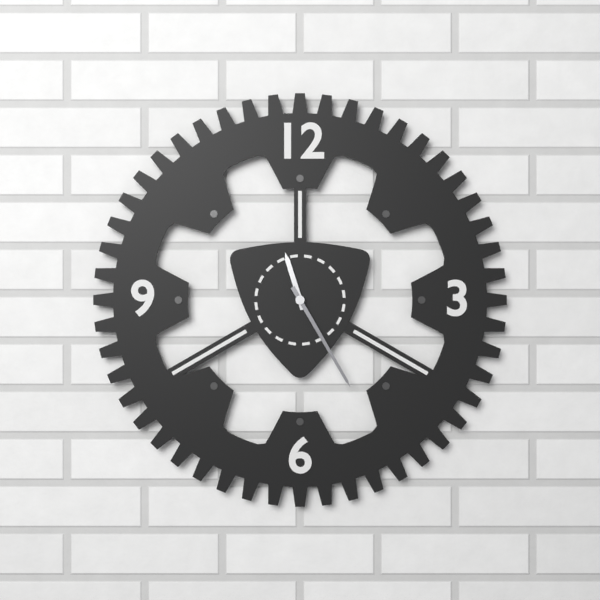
**11:25**
